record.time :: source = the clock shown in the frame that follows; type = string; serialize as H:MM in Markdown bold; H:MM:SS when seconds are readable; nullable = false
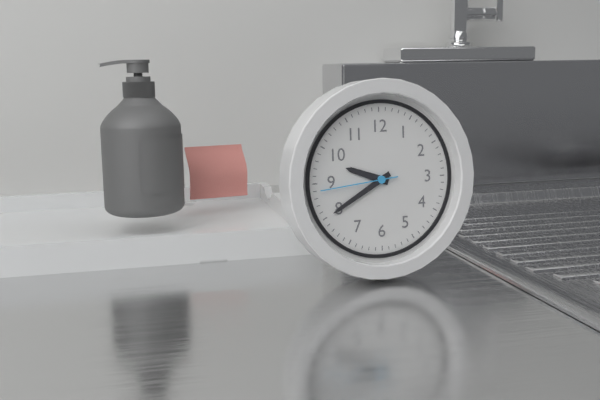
**9:40:44**
